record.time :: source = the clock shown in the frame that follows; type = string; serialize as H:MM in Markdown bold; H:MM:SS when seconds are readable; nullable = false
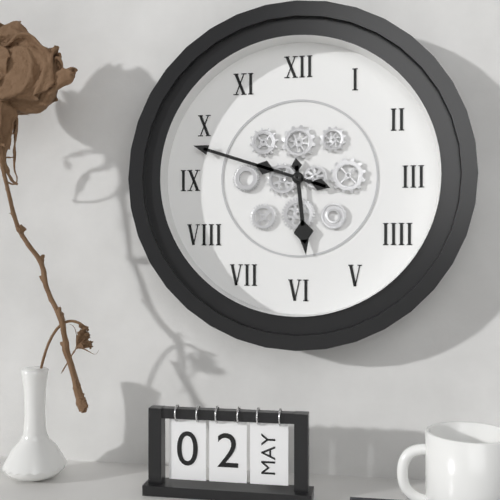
**5:48**
